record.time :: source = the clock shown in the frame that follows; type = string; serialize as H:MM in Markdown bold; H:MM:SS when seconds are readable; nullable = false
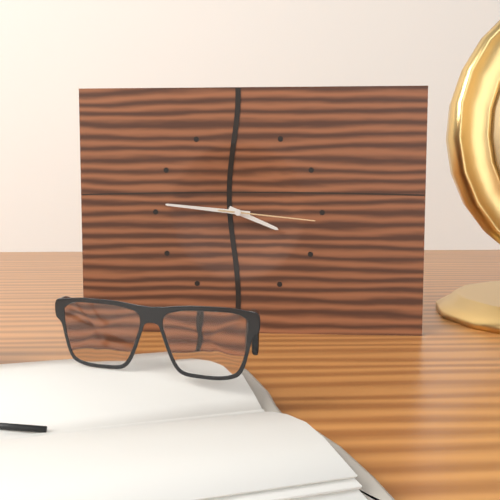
**3:46:16**
